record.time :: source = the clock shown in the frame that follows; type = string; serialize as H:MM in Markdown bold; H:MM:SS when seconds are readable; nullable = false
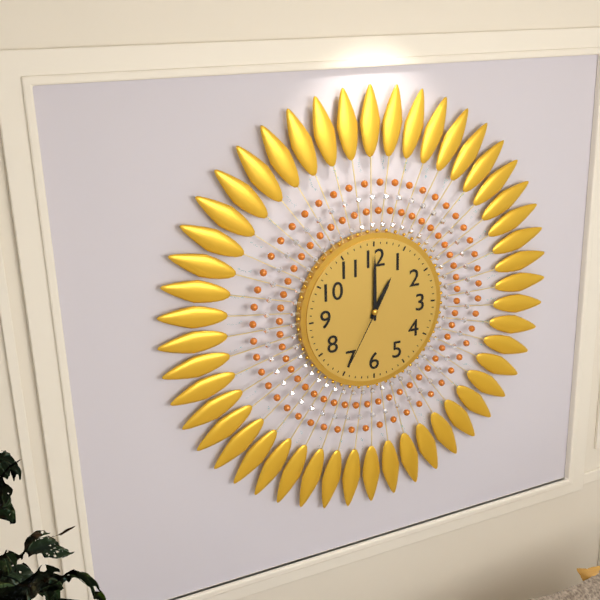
**1:00:35**
